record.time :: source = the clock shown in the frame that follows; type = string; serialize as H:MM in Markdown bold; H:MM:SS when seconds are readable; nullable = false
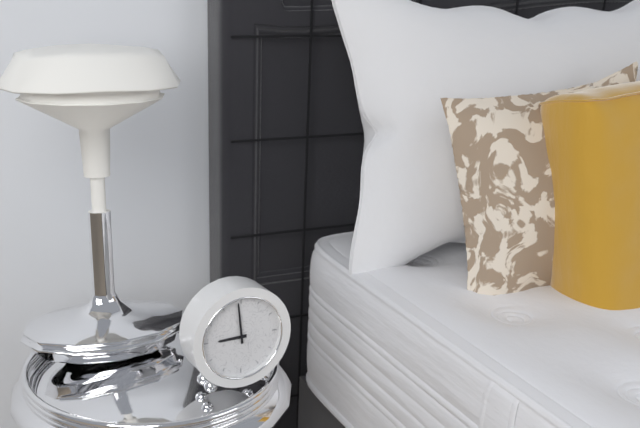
**8:59**
